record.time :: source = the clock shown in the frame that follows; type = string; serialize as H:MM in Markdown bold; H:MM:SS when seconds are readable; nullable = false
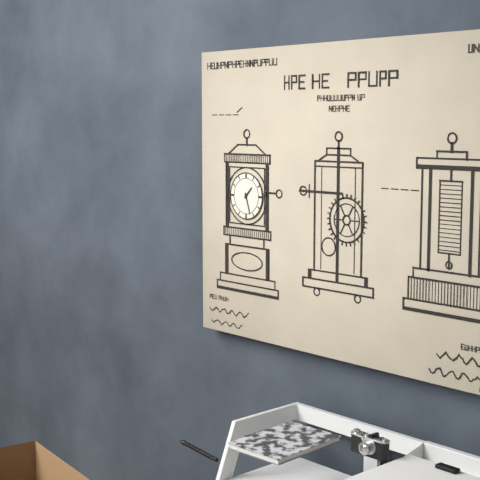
**1:27**
